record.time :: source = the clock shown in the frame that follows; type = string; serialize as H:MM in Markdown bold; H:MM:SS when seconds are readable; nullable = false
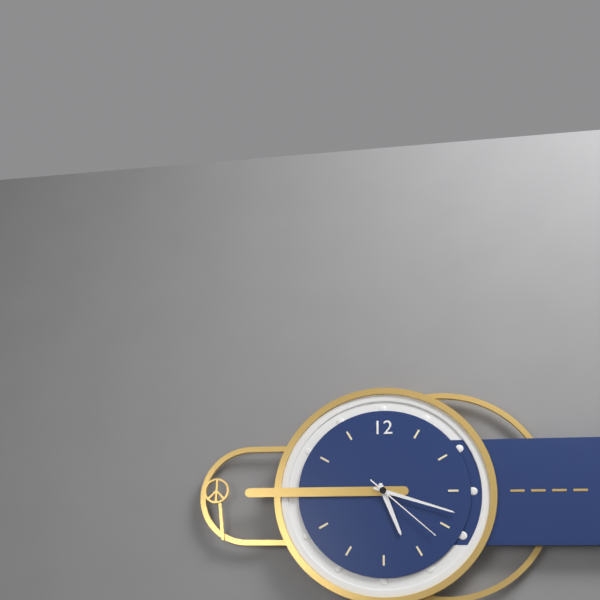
**5:18:22**
